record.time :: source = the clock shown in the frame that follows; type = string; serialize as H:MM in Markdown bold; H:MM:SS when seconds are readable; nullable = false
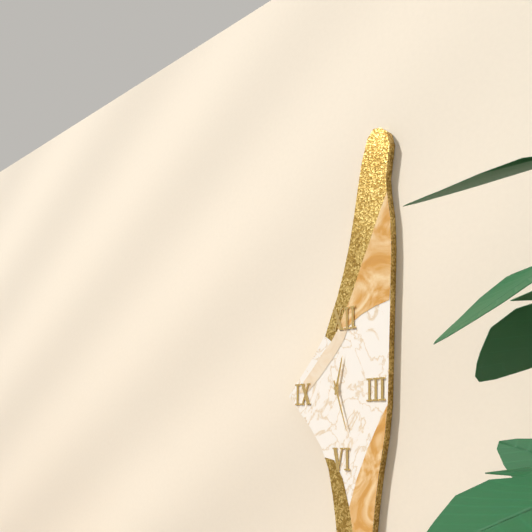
**12:27**
